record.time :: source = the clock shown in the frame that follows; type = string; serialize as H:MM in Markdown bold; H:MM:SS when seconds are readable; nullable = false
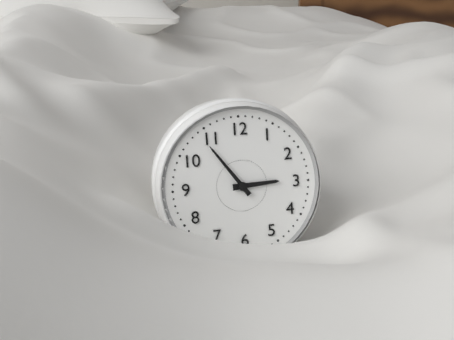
**2:54**
